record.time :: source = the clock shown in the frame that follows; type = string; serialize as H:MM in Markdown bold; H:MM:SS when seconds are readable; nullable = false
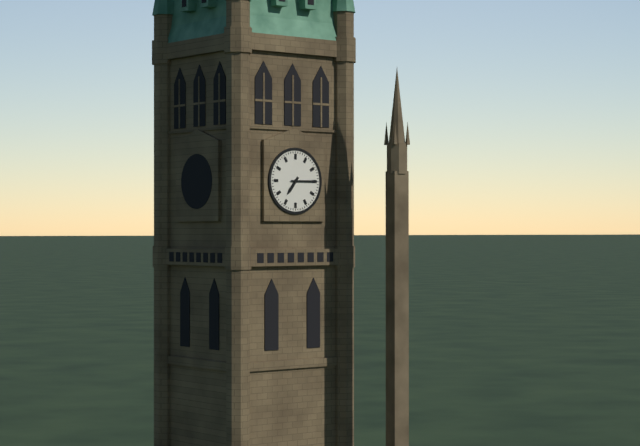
**7:15**
